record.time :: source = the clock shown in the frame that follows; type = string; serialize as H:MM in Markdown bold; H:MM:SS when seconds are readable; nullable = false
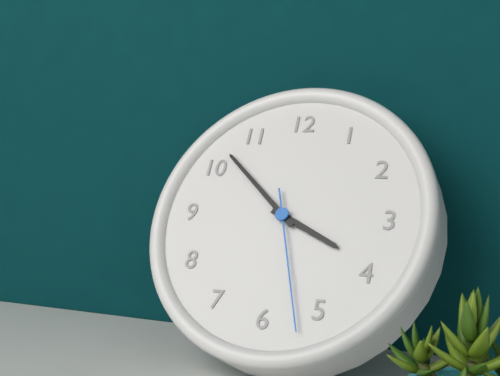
**3:52:27**
